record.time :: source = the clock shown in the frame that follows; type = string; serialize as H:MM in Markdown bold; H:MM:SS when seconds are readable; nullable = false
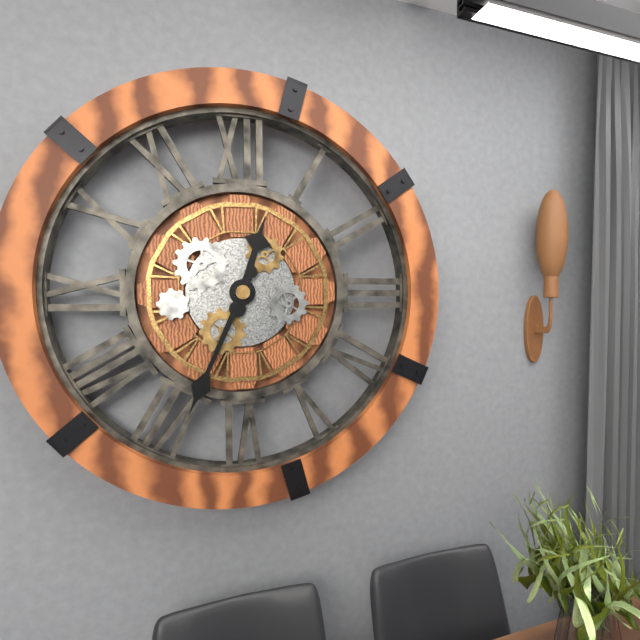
**12:34**
